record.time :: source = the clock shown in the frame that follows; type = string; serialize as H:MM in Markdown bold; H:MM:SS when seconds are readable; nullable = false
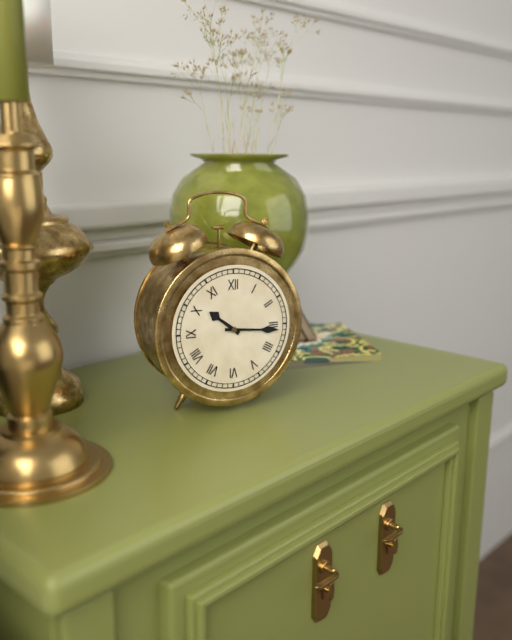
**10:16**
